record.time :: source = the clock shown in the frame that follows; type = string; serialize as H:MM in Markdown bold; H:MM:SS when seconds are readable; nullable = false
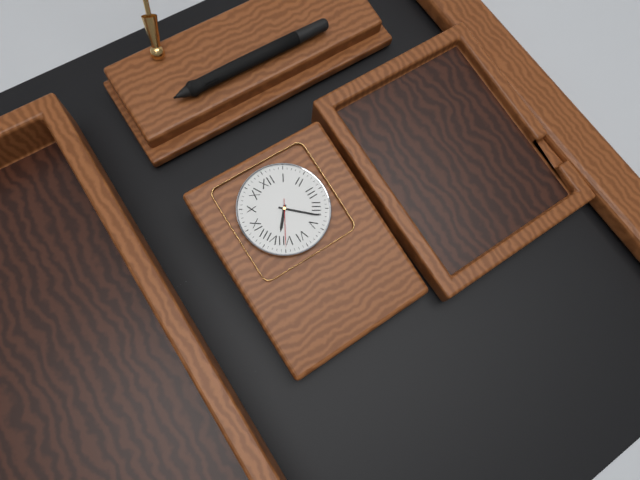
**7:22**
